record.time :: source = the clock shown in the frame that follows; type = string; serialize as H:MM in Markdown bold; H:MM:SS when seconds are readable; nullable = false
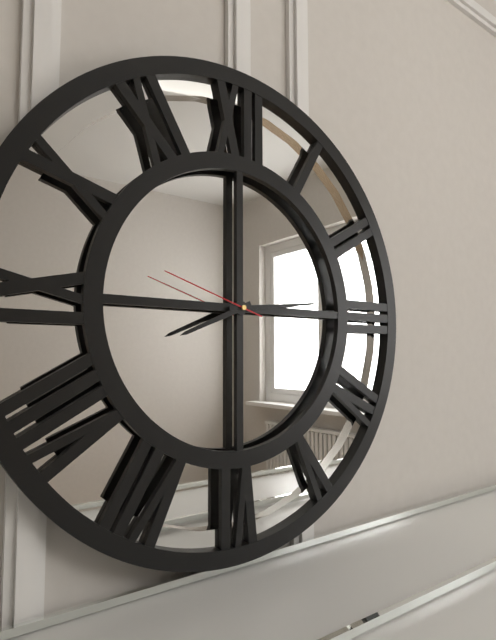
**8:14:48**
